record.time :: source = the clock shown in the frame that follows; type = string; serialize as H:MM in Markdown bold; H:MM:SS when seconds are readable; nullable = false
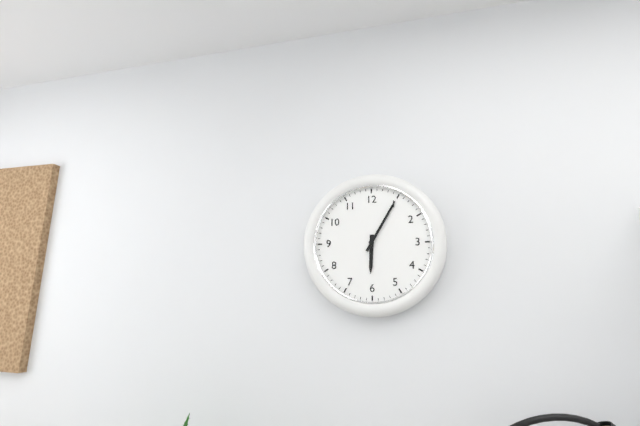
**6:05**
